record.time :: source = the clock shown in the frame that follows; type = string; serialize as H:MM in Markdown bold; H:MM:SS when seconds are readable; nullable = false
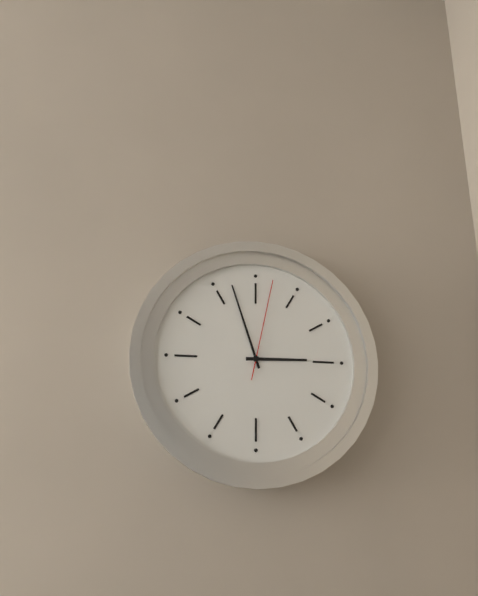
**2:57:02**
